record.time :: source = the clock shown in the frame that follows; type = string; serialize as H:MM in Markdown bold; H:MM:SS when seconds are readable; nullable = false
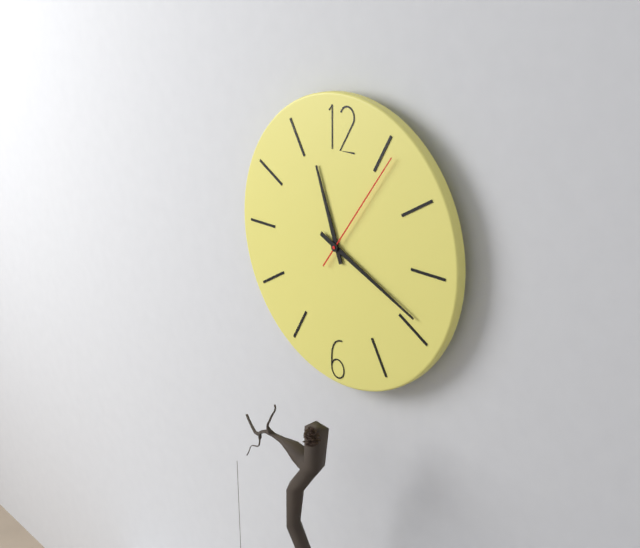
**11:19:06**
